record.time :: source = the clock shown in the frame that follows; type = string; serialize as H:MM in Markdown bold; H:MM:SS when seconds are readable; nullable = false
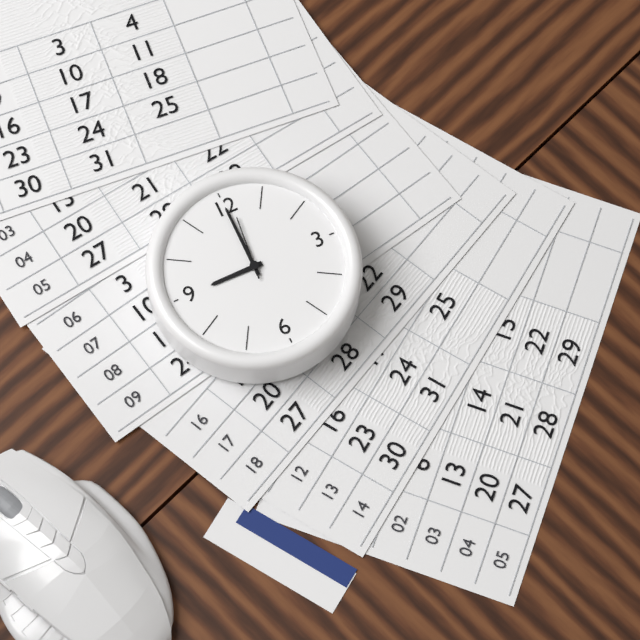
**9:00:01**
